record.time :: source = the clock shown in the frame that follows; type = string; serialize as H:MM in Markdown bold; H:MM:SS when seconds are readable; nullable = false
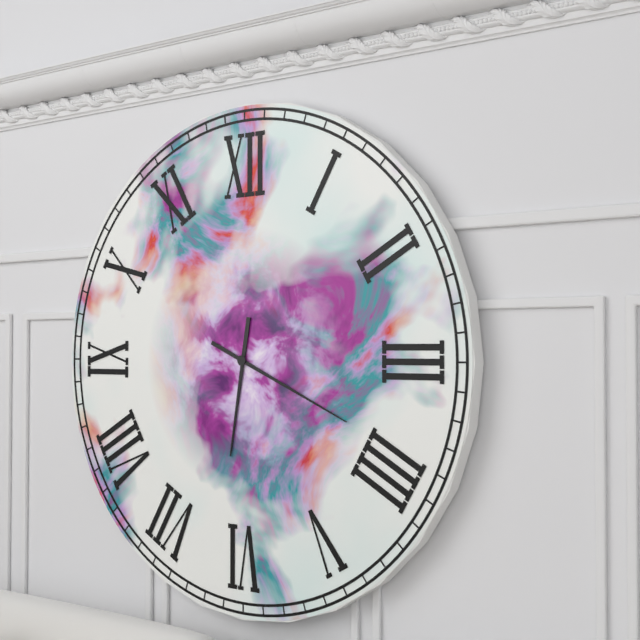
**6:19**
